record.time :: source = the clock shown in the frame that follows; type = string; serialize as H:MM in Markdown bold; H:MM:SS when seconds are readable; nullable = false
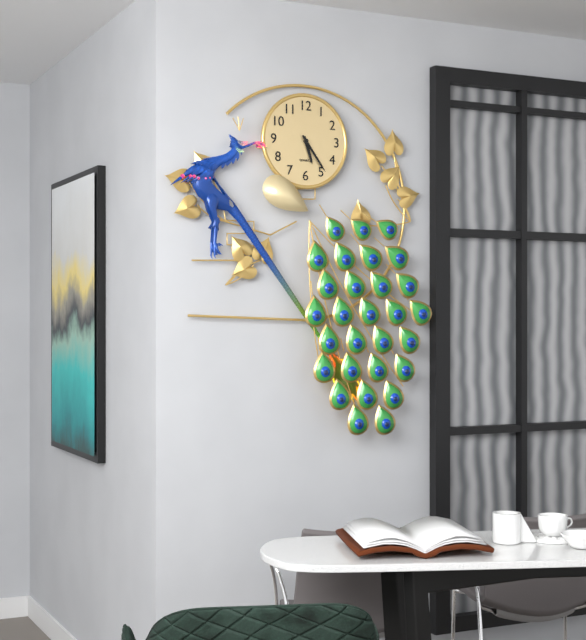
**5:24**
